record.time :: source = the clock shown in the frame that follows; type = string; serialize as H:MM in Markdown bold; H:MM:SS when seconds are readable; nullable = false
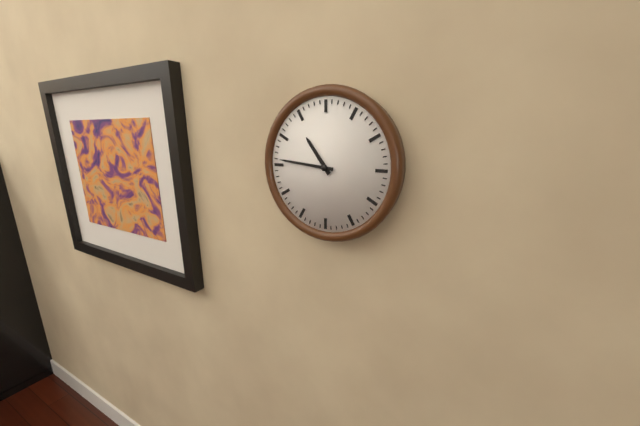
**10:46**
